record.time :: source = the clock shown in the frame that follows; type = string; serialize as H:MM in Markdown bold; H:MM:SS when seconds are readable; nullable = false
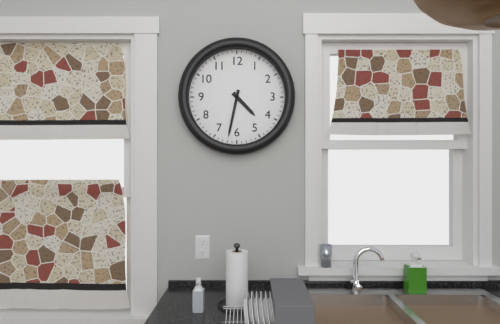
**4:32**
